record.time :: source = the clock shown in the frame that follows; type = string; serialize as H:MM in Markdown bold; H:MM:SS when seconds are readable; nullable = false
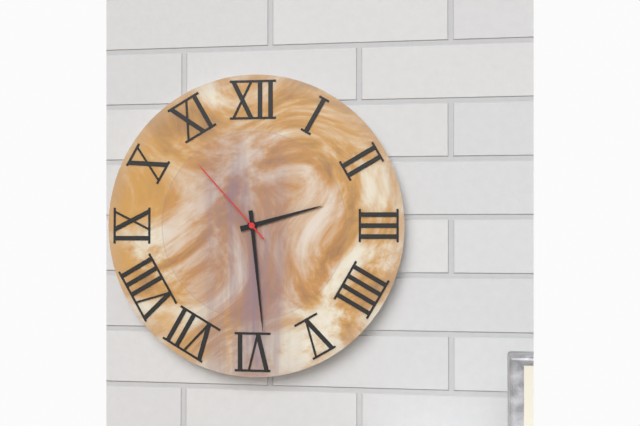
**2:29:53**
